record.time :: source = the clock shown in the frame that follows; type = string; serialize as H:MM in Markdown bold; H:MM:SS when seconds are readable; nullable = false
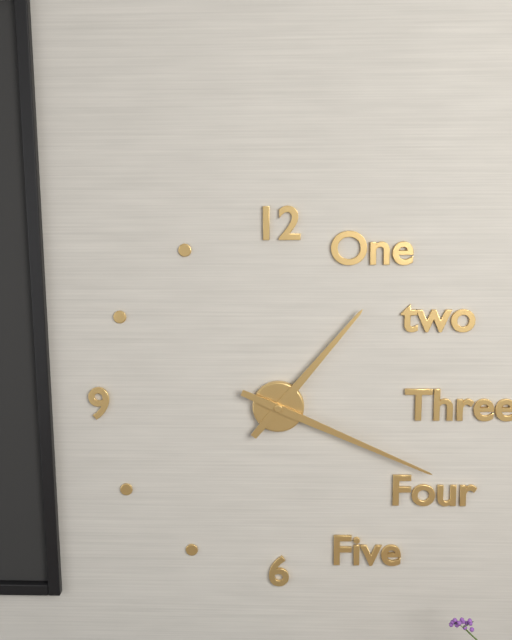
**1:19**
